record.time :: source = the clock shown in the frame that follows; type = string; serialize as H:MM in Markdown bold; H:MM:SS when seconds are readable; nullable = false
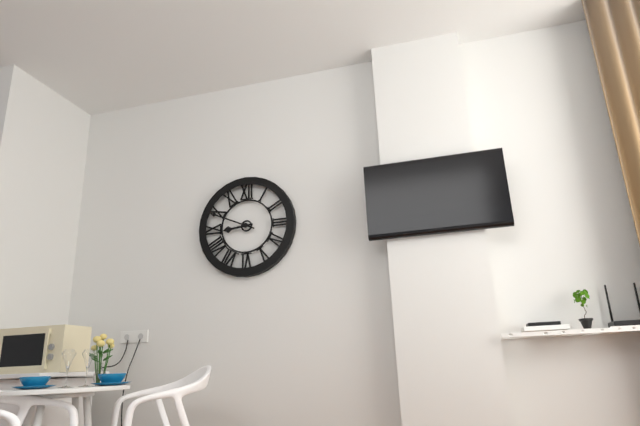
**8:49**
